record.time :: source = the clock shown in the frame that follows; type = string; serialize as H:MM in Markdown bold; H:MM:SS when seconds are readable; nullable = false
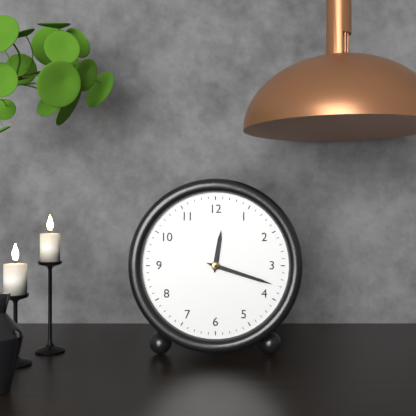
**12:18**
